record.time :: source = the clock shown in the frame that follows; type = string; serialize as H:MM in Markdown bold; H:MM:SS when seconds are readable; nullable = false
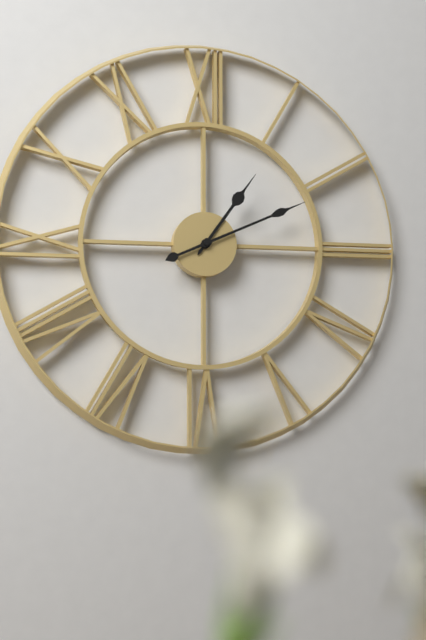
**1:11**
